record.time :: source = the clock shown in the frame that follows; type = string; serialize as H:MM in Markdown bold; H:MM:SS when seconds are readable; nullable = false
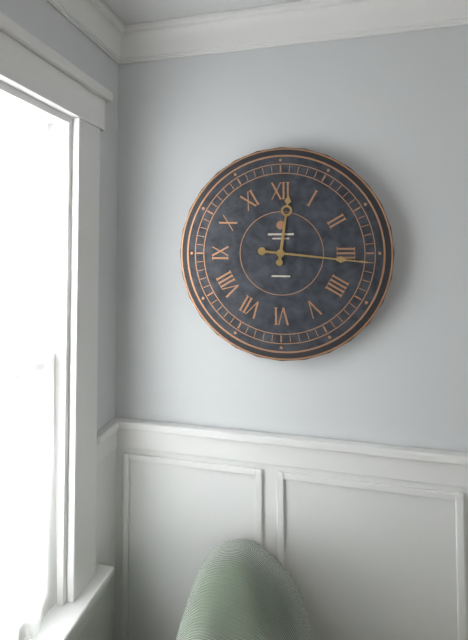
**12:16**
